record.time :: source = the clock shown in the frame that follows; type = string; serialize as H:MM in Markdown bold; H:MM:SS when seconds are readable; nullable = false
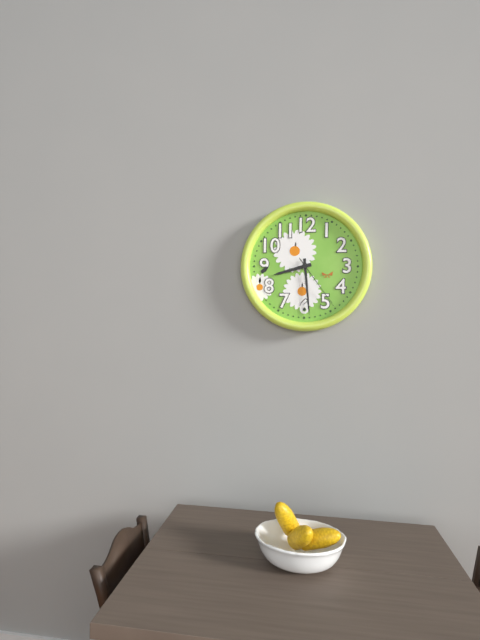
**8:29:24**
